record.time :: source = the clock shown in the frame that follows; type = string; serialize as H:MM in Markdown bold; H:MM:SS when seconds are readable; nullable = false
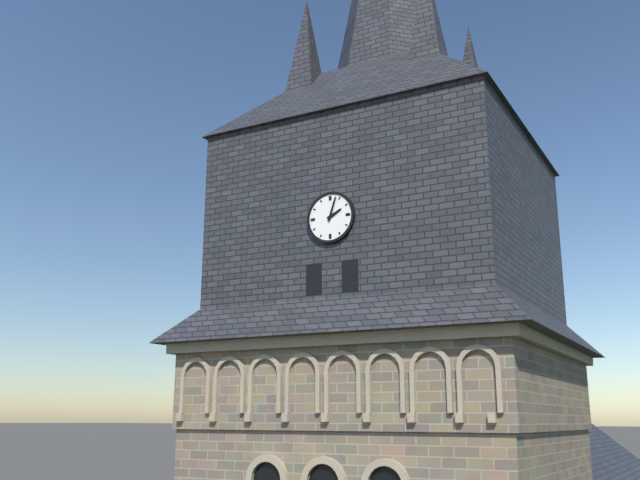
**2:03**
